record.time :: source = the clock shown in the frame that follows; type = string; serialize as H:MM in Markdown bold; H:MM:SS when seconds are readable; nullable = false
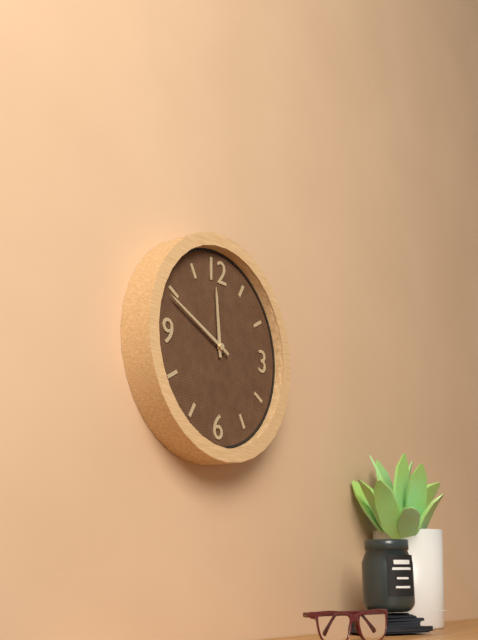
**11:49**
